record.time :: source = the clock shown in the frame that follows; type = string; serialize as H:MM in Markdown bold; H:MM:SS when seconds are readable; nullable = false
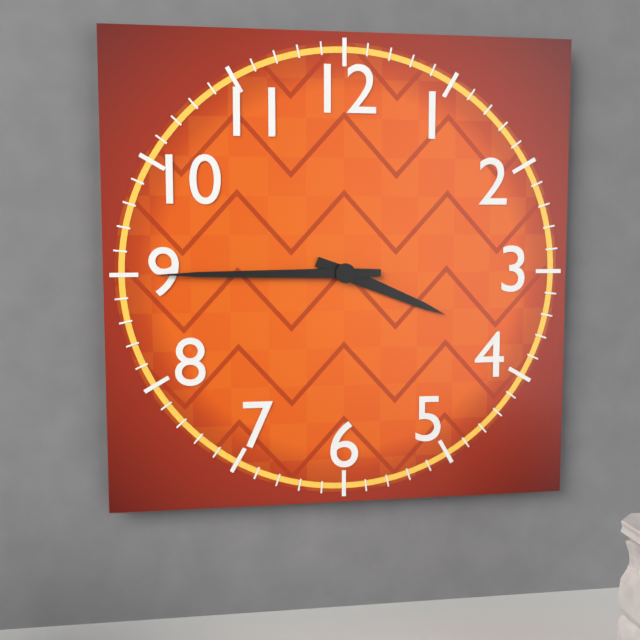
**3:45**
